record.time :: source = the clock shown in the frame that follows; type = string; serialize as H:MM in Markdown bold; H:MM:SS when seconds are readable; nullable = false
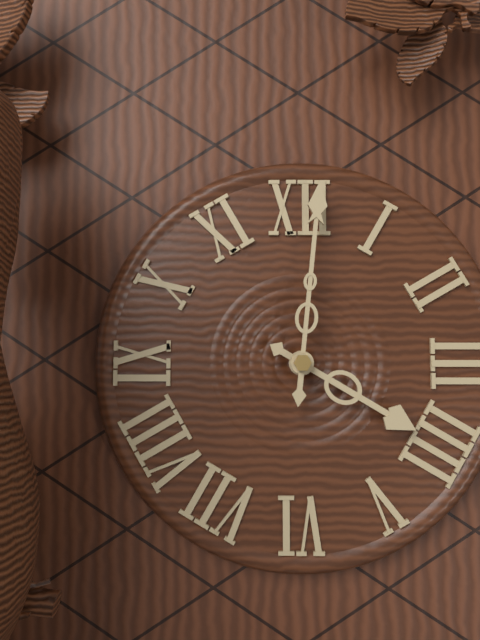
**4:01**
